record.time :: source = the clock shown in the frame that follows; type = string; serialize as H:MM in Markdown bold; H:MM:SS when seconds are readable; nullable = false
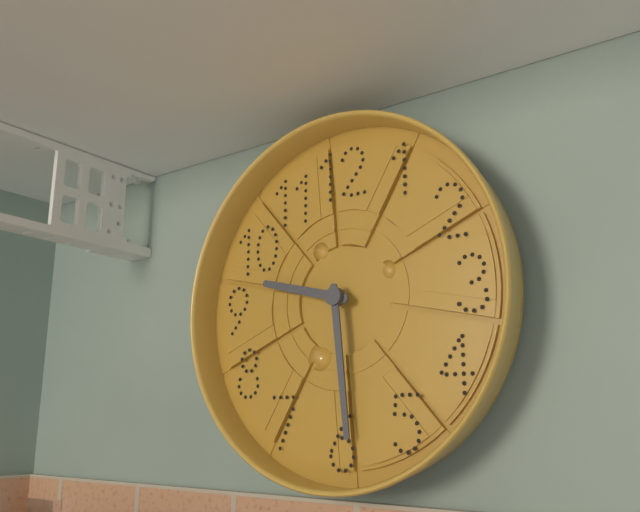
**9:29**
